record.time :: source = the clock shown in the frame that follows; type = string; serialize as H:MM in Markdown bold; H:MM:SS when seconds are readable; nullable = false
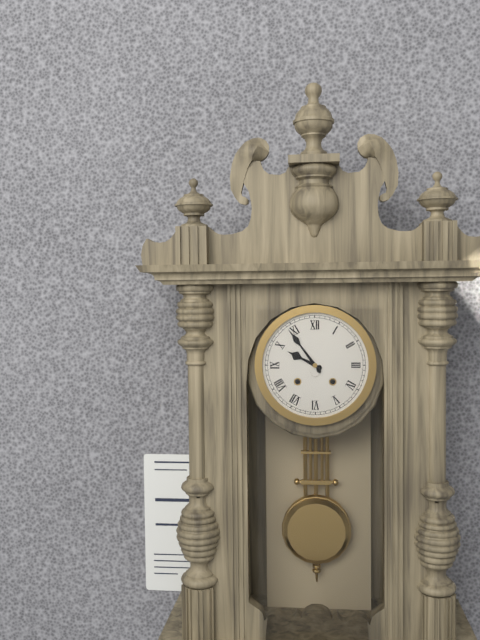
**9:54**
